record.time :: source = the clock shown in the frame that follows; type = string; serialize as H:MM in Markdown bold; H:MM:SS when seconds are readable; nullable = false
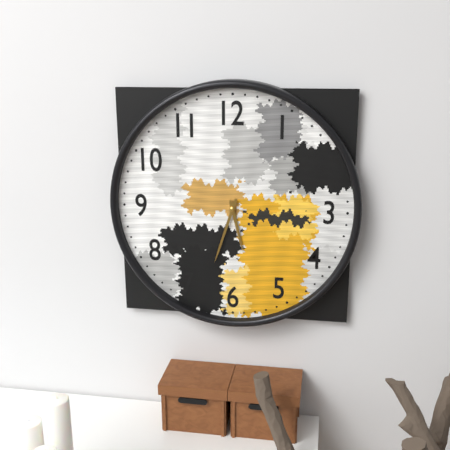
**5:33**
